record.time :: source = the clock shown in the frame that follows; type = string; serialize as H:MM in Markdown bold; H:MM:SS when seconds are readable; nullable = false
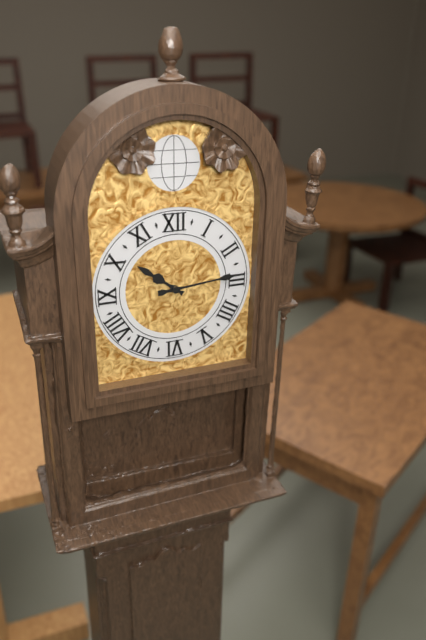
**10:14**
